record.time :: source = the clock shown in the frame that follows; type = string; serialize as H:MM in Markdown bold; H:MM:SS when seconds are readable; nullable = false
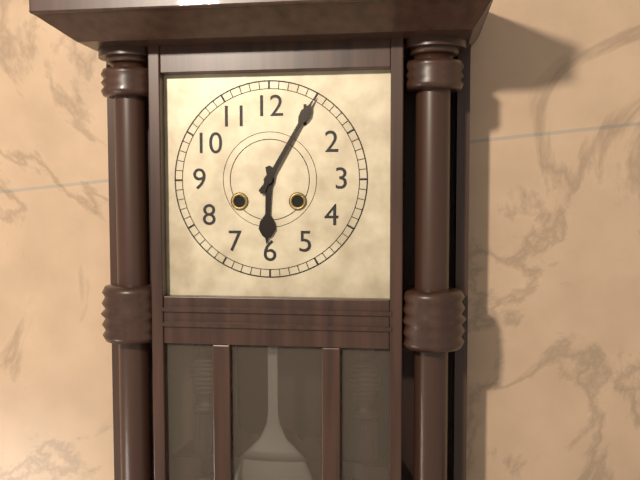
**6:05**
